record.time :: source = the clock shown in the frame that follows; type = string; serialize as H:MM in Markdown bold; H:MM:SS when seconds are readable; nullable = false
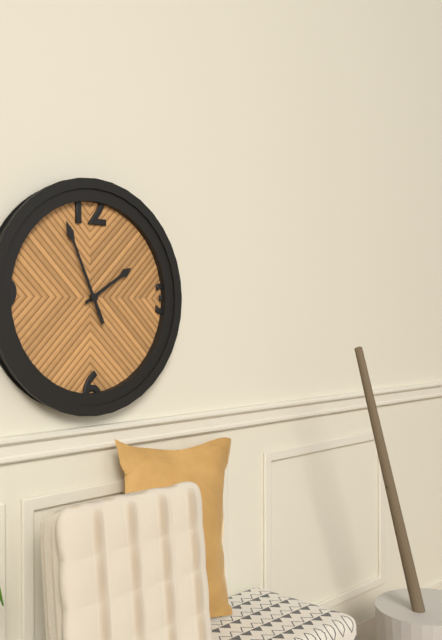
**1:56**
